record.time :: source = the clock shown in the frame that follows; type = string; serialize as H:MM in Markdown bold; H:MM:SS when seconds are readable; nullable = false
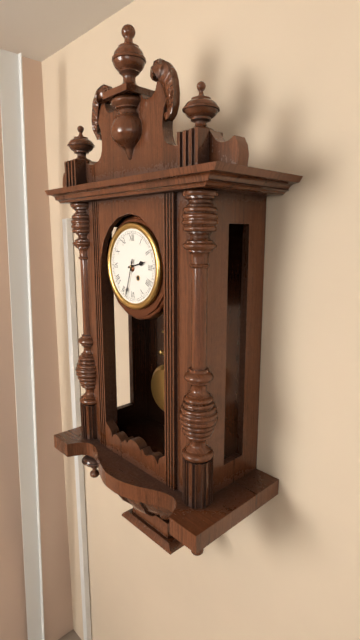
**2:33**
